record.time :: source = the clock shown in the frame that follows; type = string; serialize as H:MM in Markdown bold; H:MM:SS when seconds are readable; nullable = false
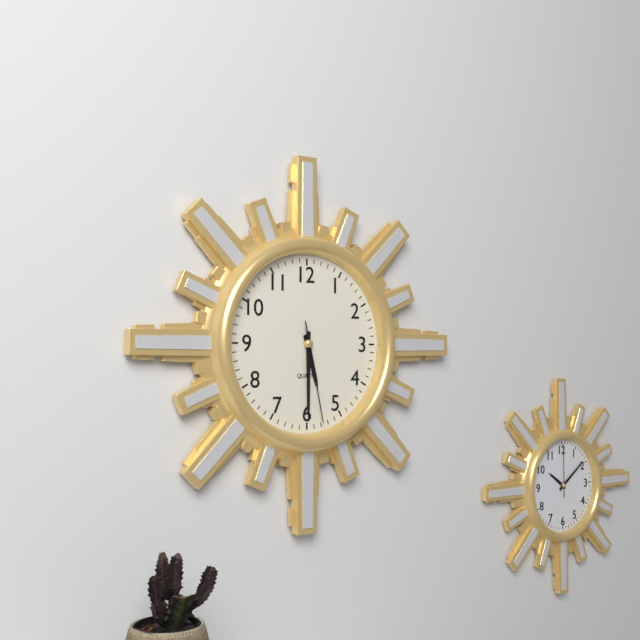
**5:30:28**
